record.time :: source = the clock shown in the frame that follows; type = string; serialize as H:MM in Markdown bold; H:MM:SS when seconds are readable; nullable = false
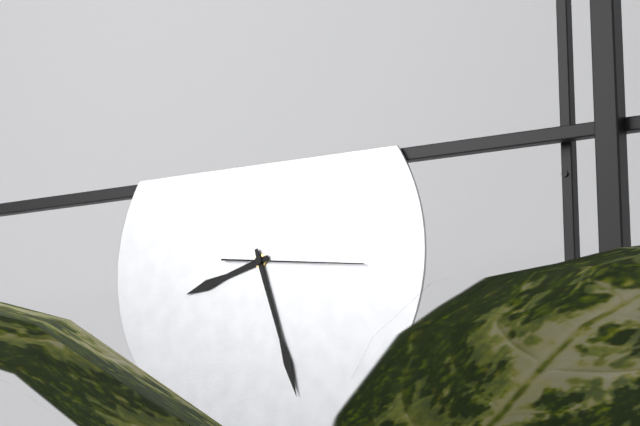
**8:27:16**
